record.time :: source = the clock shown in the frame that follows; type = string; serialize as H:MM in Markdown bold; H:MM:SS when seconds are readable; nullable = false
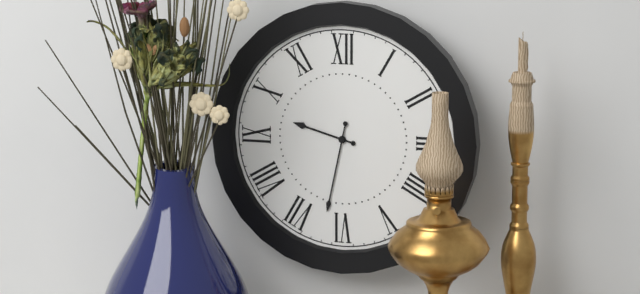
**9:32**
